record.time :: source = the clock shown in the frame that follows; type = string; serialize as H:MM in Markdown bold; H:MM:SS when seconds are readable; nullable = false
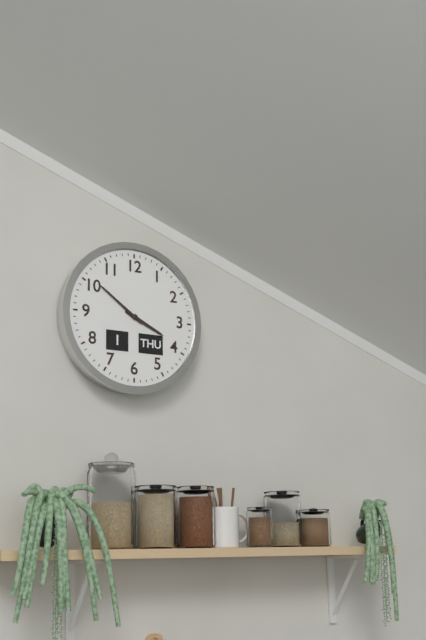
**3:51**
